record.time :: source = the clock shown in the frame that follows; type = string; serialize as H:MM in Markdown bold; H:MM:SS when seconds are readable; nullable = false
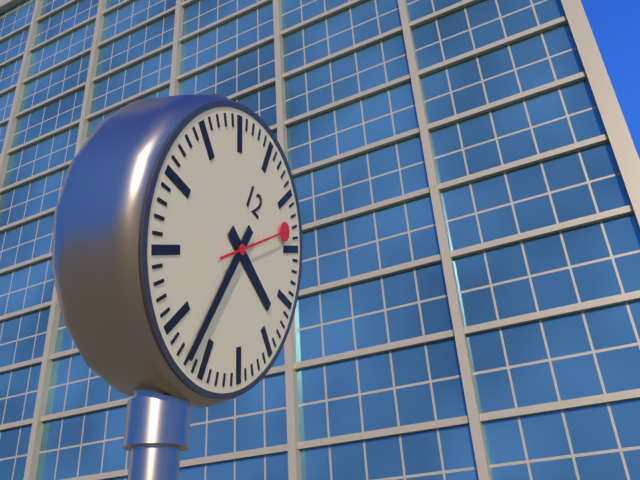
**3:32:08**
